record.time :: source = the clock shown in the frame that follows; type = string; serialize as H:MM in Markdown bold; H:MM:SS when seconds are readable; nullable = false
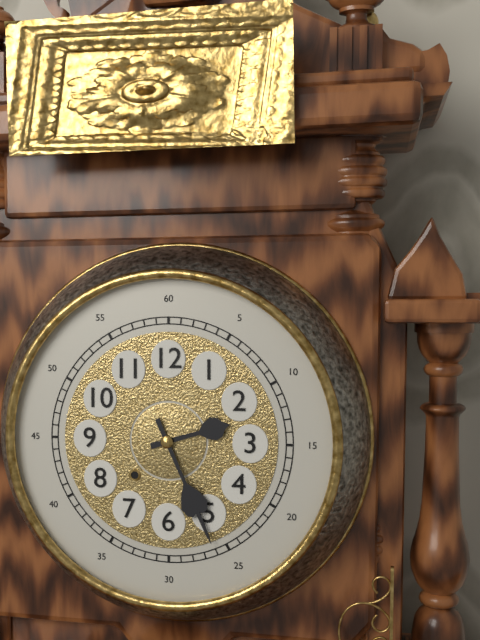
**2:26**
